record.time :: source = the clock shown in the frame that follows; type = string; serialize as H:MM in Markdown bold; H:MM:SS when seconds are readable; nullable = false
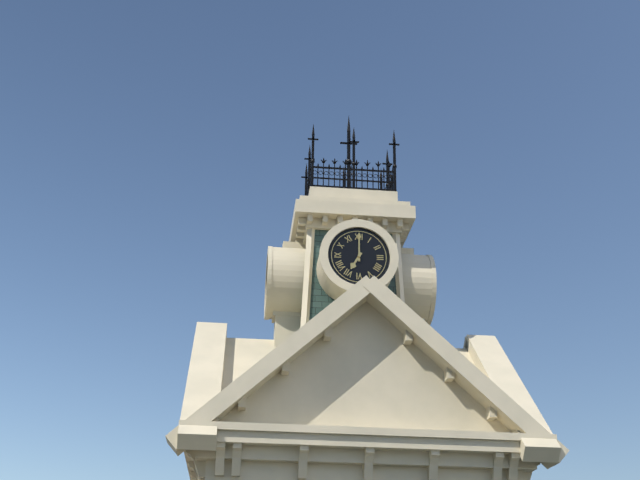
**7:00**
